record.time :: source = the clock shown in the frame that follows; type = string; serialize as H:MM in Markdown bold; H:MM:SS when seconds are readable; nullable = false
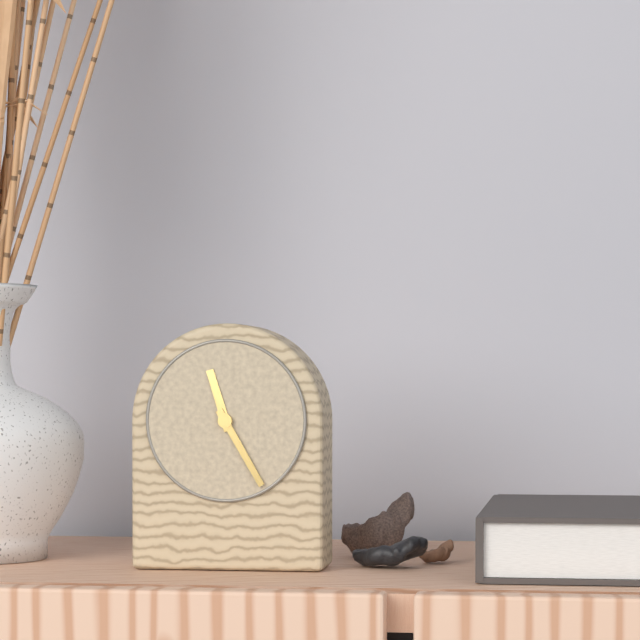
**11:25**
